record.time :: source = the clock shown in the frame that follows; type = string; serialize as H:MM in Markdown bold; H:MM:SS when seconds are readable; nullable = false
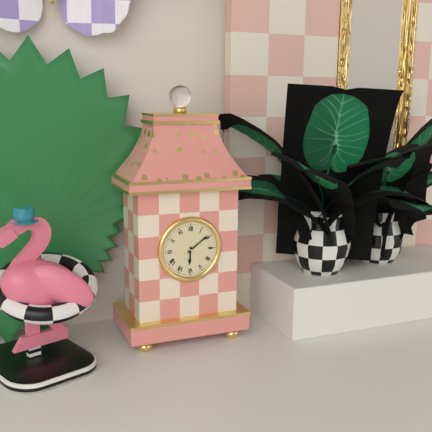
**6:09**
